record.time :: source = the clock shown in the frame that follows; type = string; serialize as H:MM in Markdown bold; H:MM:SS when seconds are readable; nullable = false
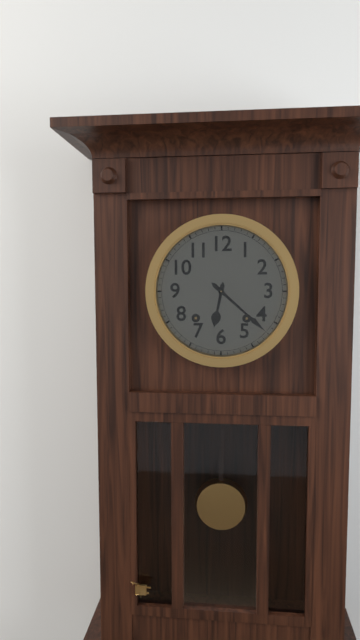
**6:22**
